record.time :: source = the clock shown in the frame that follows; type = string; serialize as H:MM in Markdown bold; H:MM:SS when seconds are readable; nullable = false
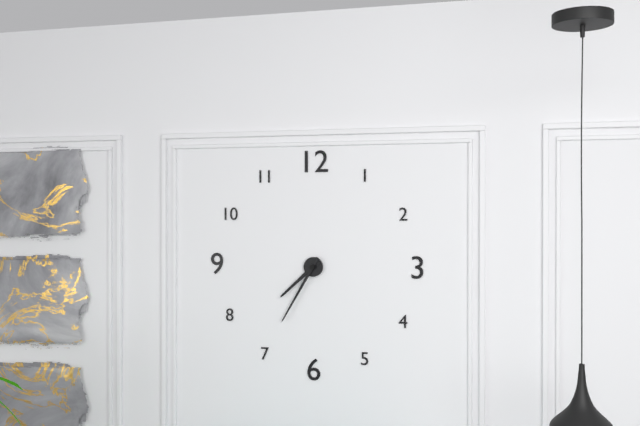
**7:35**
